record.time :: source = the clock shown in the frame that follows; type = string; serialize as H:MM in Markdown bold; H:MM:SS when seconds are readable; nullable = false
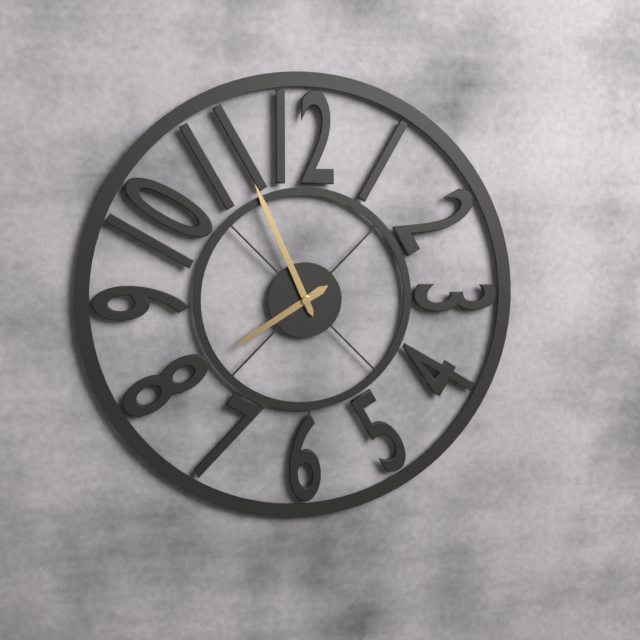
**7:56**
